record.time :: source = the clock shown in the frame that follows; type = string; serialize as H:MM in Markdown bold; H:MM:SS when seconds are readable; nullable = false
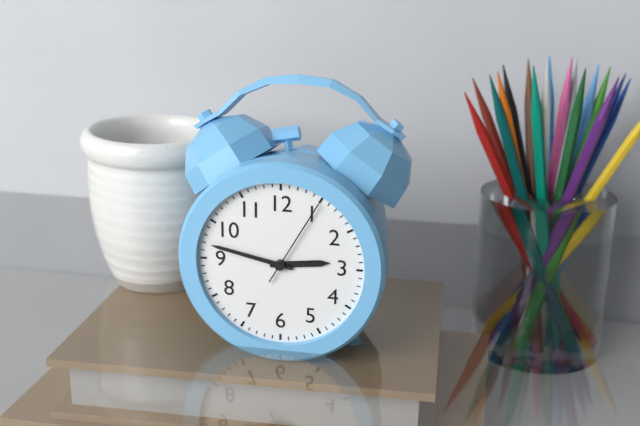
**2:47:05**
